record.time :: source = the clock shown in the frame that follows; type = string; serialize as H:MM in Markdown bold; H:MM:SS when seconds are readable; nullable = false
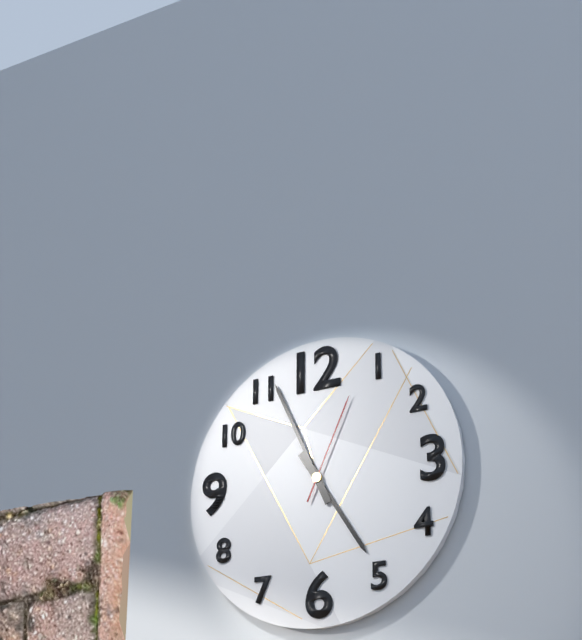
**4:56:04**
